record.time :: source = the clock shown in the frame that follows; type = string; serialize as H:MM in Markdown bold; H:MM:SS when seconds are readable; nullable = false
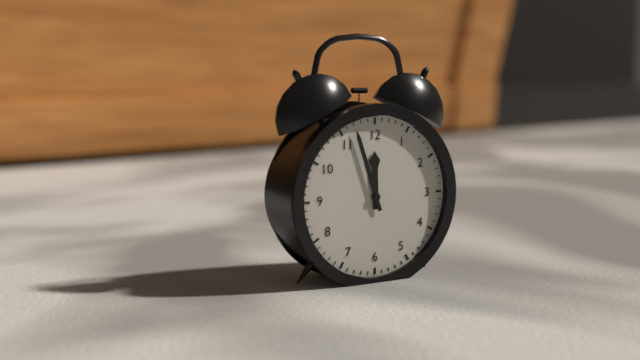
**11:57**
